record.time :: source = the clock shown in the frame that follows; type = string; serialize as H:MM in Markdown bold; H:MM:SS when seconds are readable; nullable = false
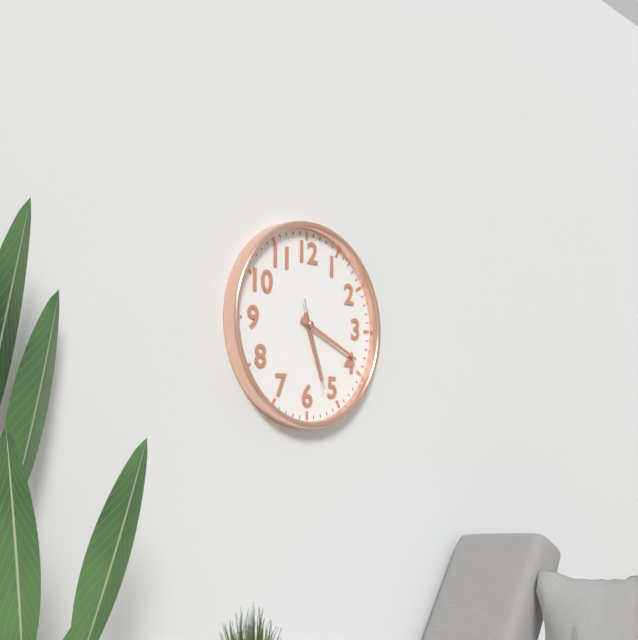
**5:19:27**
